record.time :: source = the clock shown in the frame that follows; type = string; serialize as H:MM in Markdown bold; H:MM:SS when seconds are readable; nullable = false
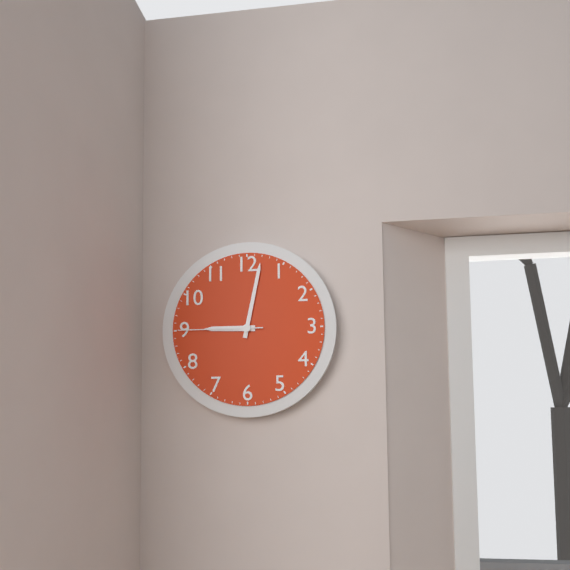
**9:02:45**
